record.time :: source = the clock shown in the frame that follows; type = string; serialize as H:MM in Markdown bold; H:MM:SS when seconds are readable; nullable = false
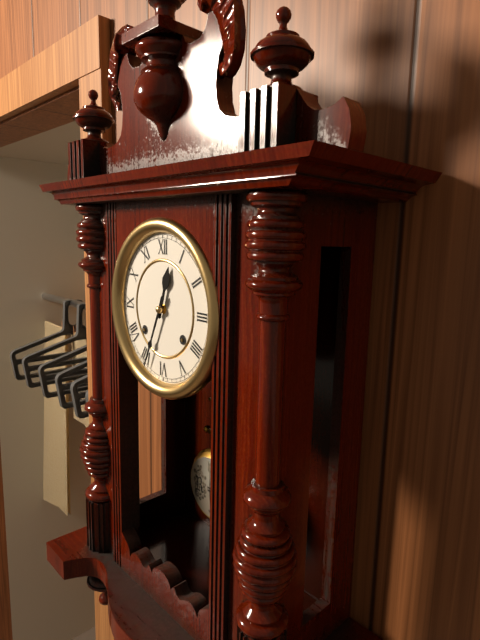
**12:34**
